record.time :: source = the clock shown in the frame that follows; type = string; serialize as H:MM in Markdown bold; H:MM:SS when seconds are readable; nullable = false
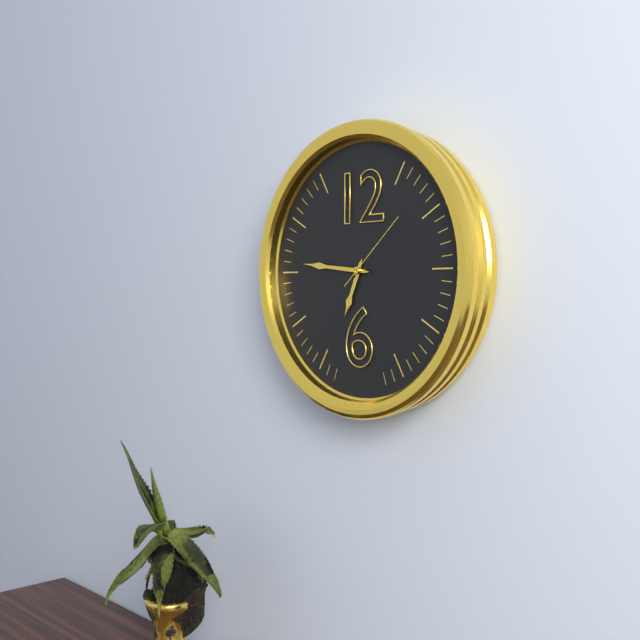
**6:46:08**
